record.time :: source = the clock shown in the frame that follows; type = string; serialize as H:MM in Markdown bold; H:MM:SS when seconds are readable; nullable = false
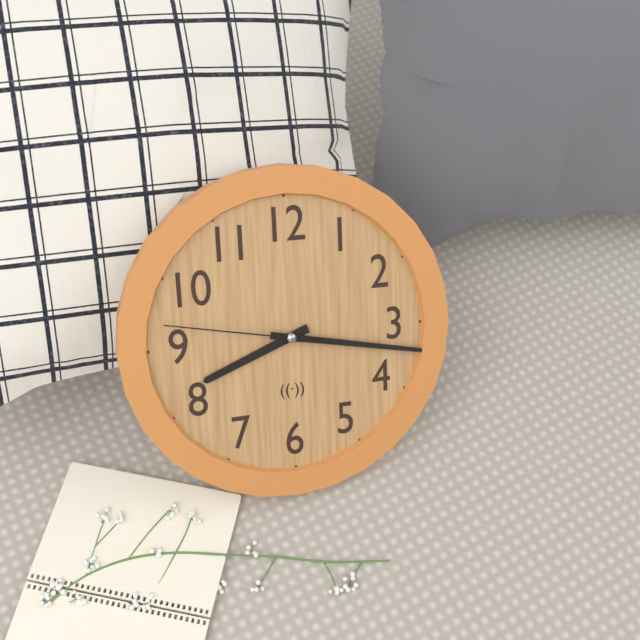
**8:17:47**
